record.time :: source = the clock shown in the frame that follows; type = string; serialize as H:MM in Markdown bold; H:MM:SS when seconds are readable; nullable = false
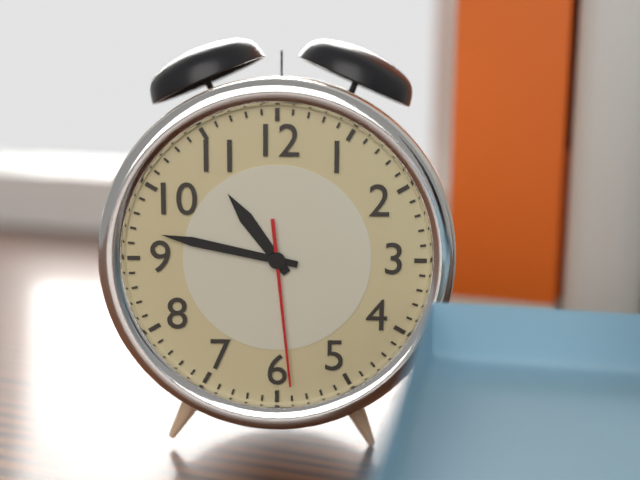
**10:47:29**
